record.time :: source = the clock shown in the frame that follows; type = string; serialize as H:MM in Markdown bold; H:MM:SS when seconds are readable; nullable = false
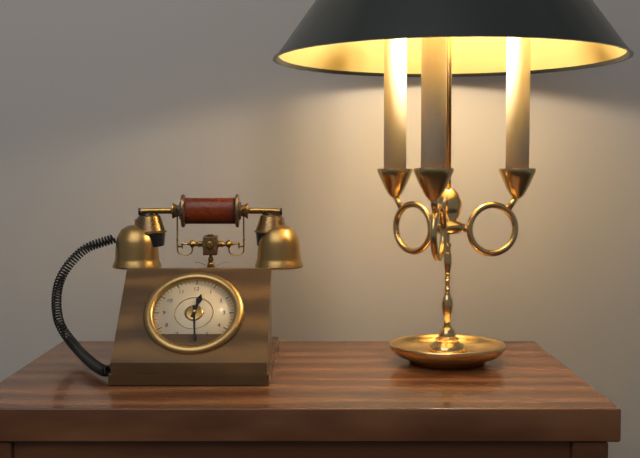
**12:29**
